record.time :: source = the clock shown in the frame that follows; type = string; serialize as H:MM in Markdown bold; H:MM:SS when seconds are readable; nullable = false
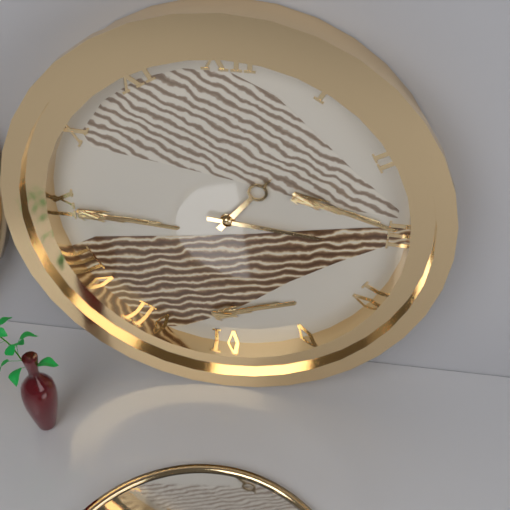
**1:16**
